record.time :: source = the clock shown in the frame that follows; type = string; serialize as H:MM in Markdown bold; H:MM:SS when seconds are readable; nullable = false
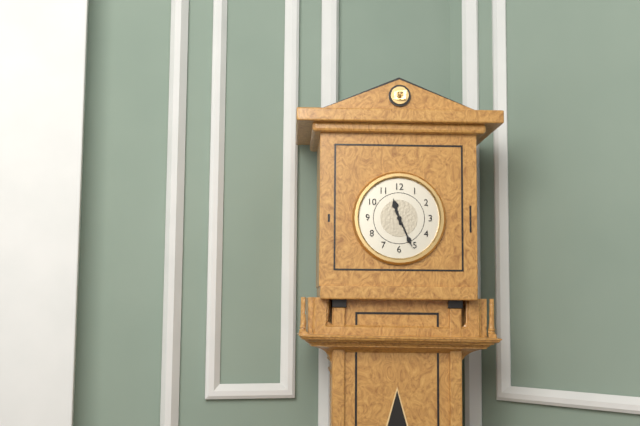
**11:26**
